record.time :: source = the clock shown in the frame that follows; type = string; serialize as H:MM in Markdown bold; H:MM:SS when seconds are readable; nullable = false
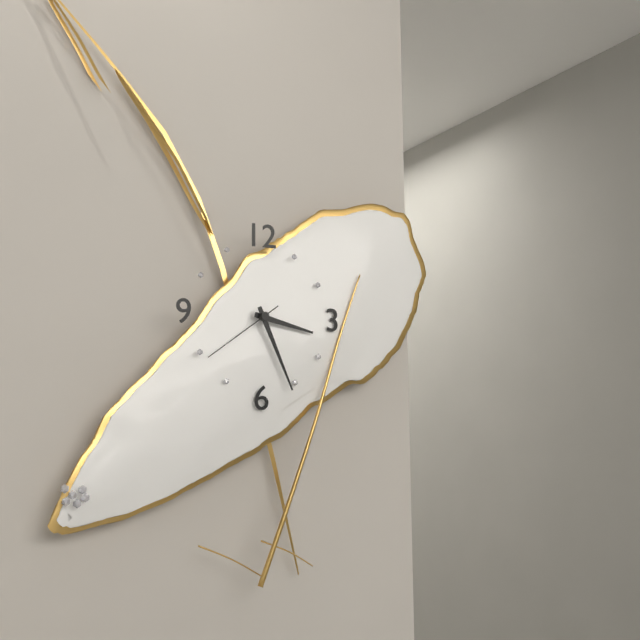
**3:26:39**
